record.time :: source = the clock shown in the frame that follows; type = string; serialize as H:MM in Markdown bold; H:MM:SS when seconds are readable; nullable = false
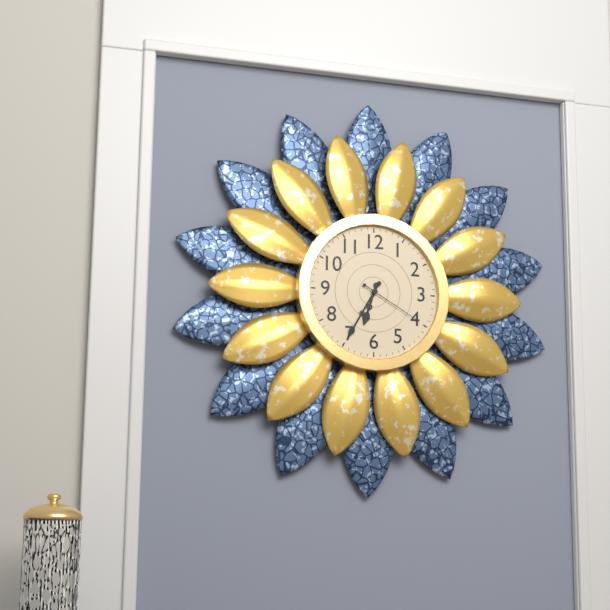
**6:35:20**
